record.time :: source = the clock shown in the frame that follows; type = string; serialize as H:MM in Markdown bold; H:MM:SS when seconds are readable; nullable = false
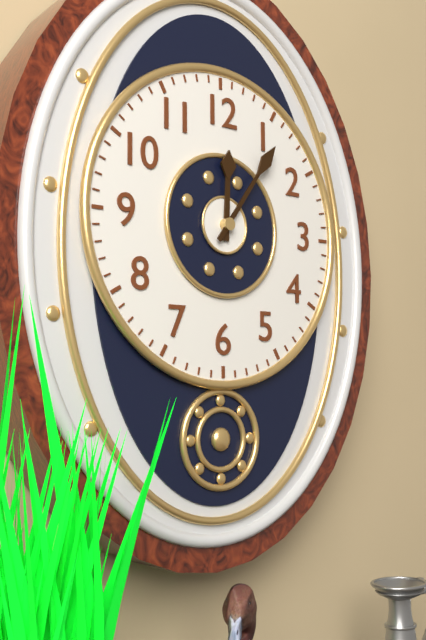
**12:06**
